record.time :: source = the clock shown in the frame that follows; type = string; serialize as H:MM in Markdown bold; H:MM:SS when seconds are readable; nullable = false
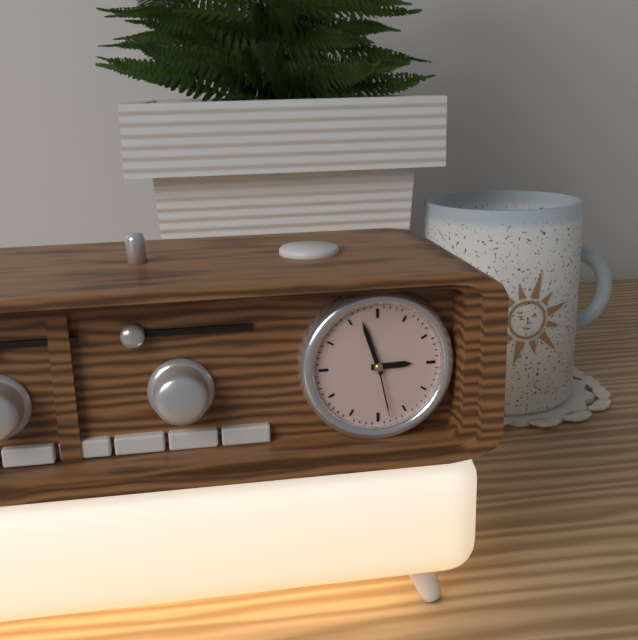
**2:57:28**
